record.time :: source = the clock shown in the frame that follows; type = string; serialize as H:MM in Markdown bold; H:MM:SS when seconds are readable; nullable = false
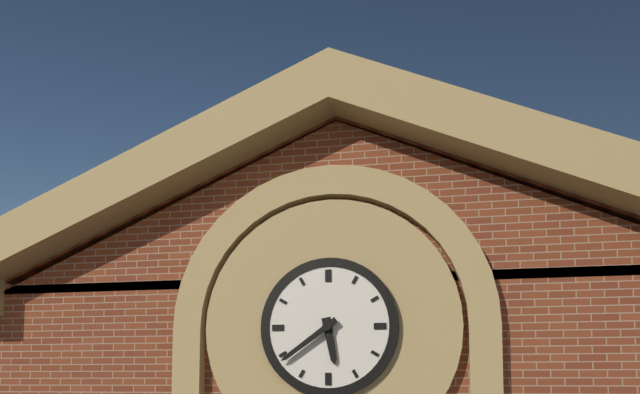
**5:39**
